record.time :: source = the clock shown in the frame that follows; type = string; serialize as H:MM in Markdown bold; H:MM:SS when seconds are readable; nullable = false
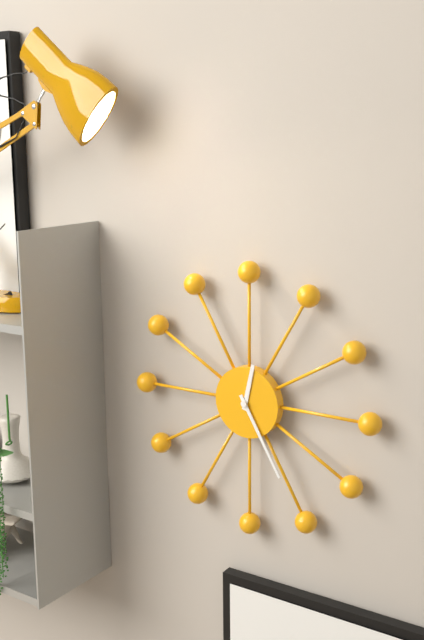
**12:25**
